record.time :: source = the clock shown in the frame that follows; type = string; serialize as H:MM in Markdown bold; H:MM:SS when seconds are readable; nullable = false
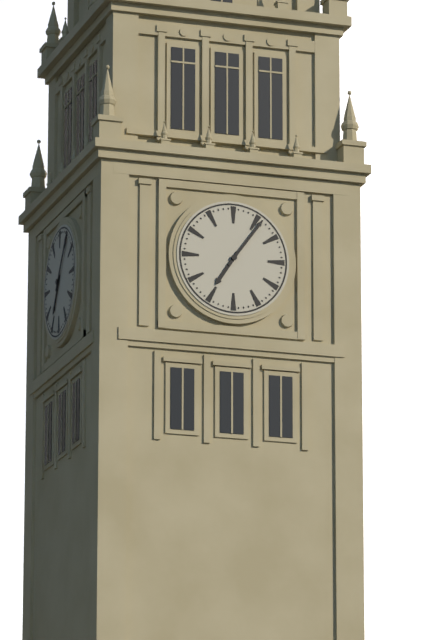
**7:06**
